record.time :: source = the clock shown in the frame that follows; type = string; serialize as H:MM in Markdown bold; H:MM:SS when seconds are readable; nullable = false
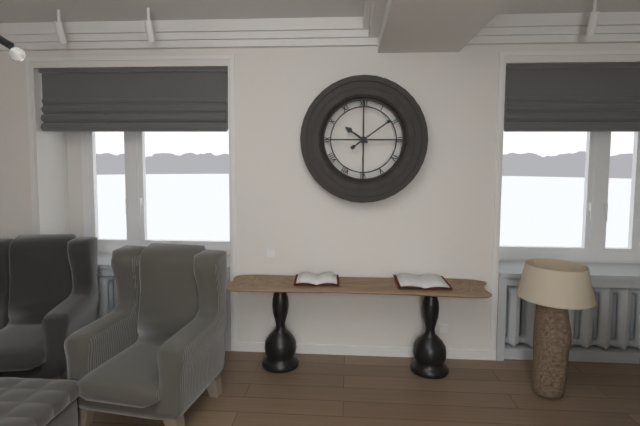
**10:09**
